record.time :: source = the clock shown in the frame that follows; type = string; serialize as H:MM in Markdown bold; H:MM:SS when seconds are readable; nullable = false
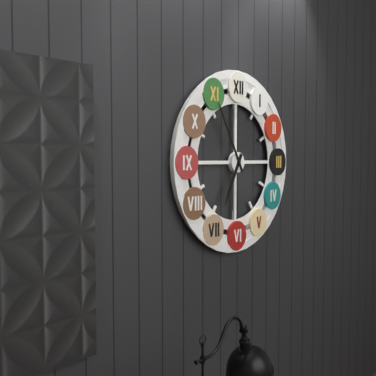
**6:55**
